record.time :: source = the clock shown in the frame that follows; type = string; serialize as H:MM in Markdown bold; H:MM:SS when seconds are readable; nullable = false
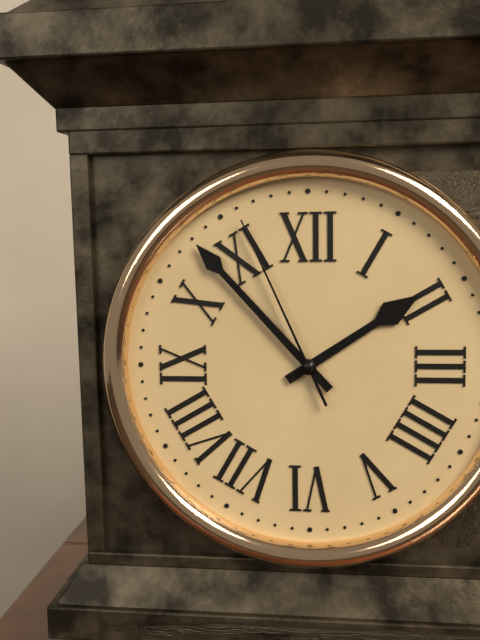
**1:53:56**
